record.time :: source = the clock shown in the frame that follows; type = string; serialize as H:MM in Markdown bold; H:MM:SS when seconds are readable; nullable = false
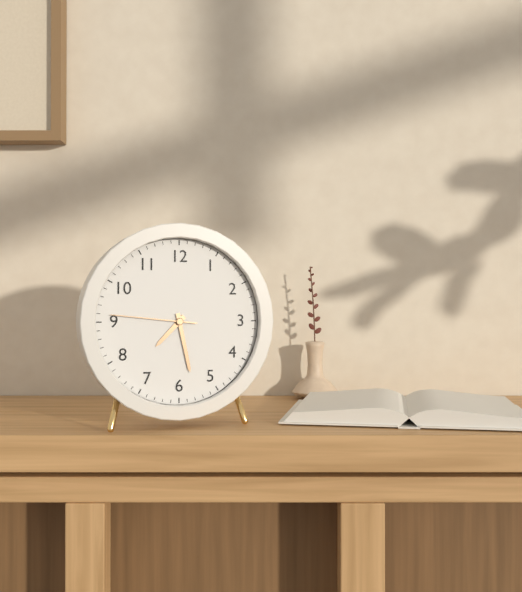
**7:28:46**
